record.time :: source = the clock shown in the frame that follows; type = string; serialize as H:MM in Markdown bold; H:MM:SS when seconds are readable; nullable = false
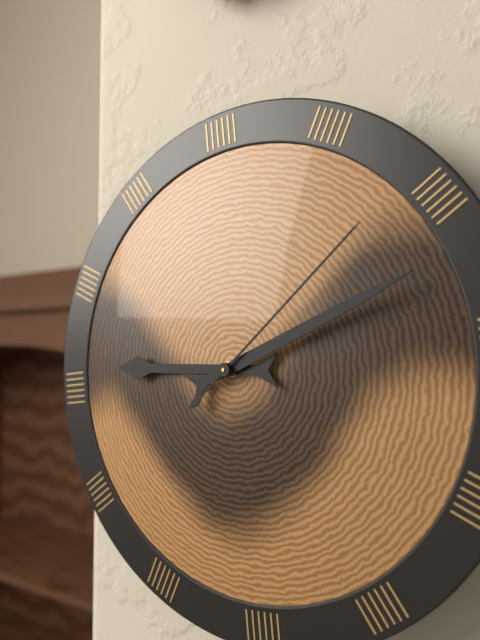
**9:12:09**
